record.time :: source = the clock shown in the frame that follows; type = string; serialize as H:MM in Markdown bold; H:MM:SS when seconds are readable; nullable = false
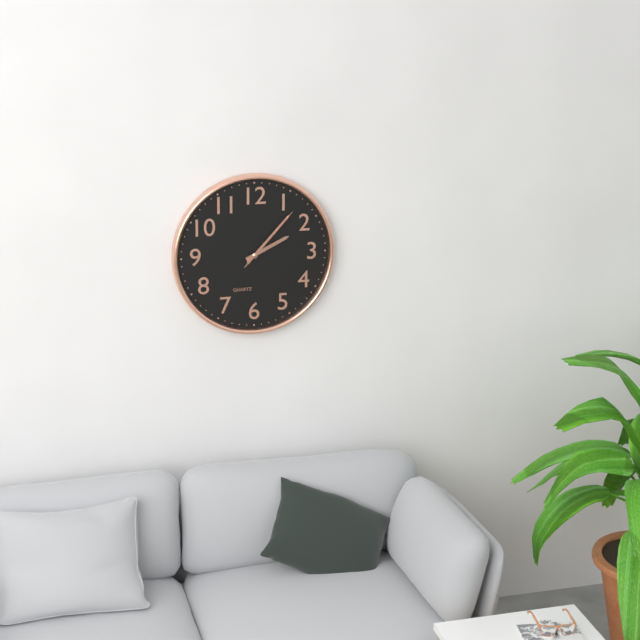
**2:07:07**
